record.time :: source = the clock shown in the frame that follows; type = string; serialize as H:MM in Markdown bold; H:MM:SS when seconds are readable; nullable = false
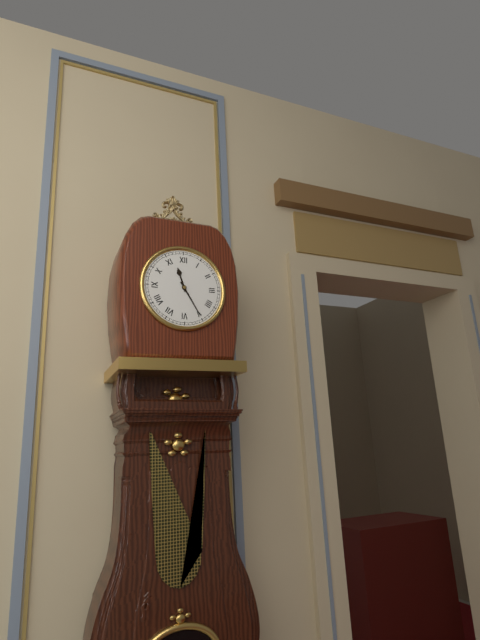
**11:25**
